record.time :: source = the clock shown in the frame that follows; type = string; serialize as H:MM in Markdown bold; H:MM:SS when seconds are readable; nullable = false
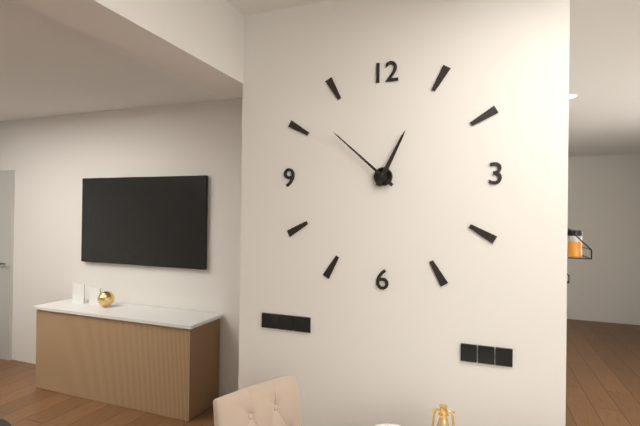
**12:52**
